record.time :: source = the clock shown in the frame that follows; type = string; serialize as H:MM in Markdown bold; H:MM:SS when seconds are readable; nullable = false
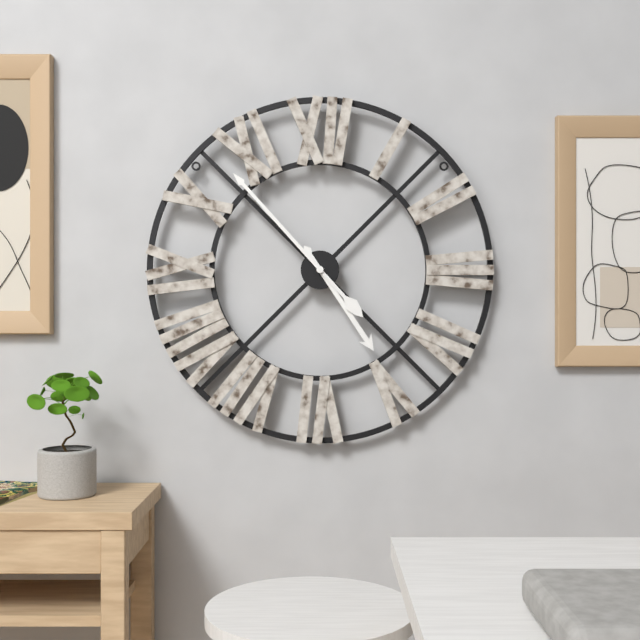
**4:53**
